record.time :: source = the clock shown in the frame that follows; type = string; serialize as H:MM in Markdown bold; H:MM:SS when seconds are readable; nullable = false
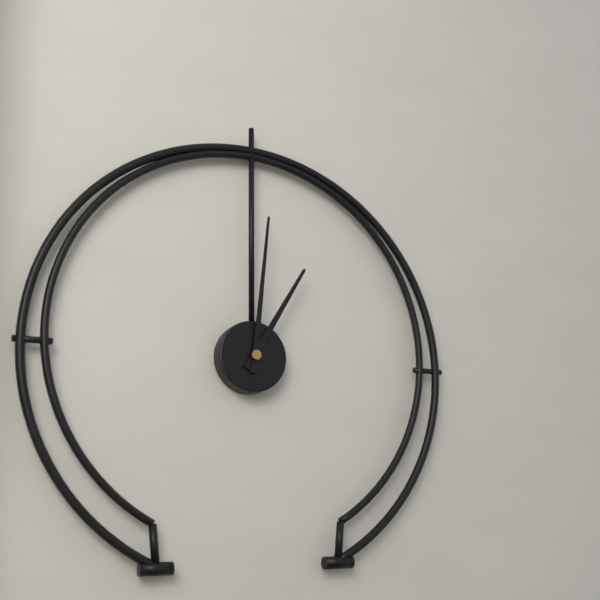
**1:01**
